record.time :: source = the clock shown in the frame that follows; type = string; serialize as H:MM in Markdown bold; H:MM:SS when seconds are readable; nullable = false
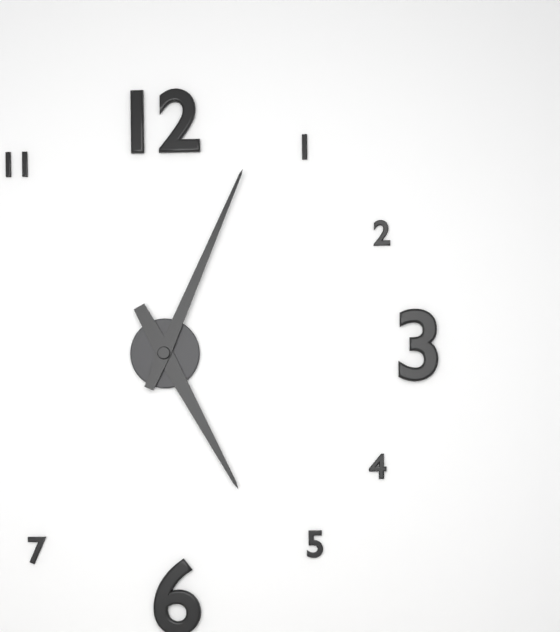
**5:04**
